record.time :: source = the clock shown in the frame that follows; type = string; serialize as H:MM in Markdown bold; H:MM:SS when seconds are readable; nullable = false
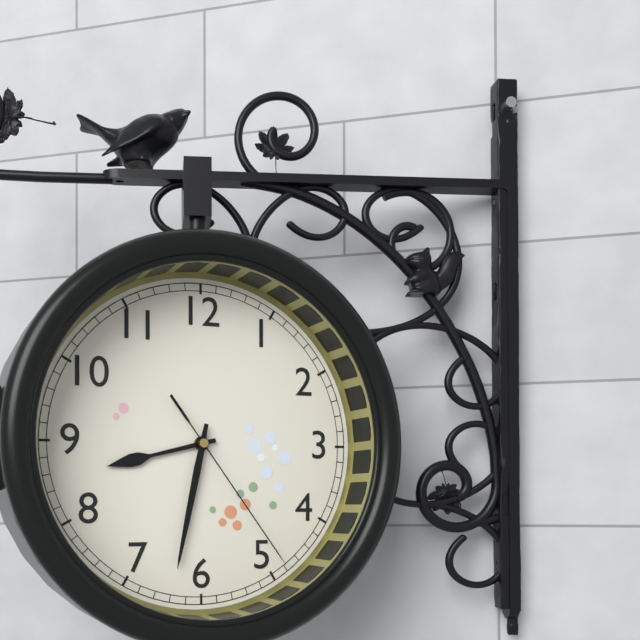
**8:32:24**
